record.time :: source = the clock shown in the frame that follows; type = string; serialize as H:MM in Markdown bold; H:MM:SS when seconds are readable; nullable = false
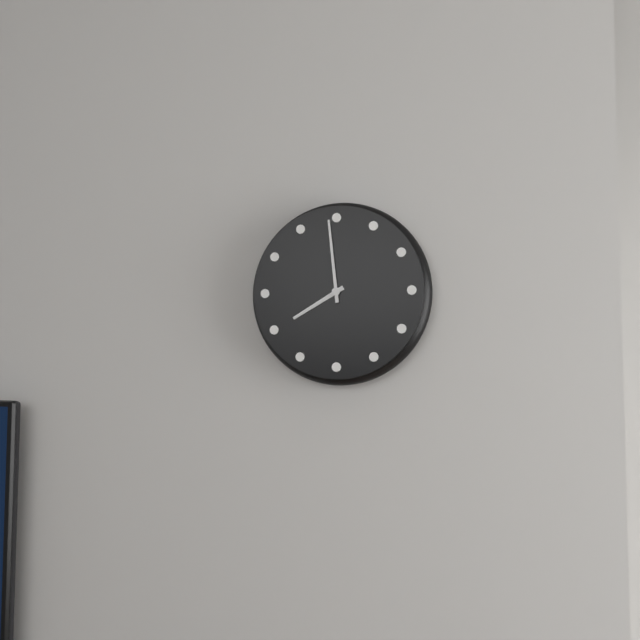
**7:59**
